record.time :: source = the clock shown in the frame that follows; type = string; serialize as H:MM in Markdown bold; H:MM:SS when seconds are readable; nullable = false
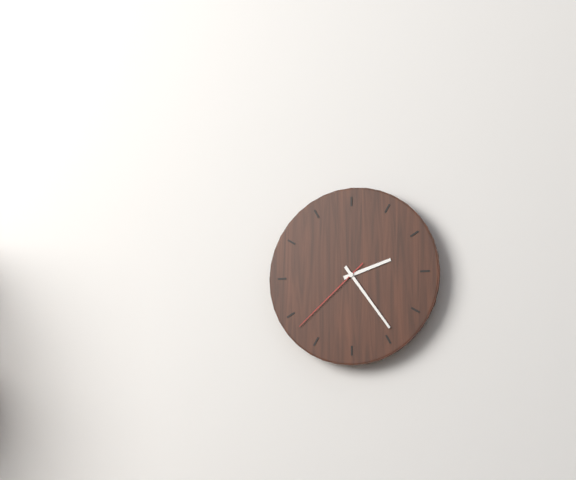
**2:24:38**
